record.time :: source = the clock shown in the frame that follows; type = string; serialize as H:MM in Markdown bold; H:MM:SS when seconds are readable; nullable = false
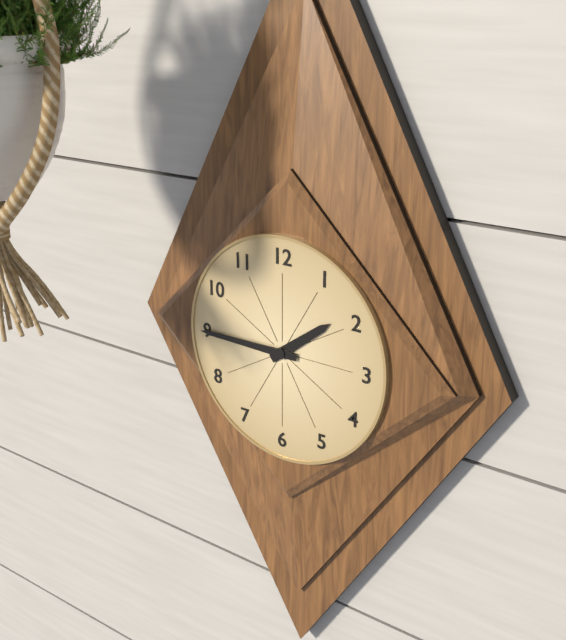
**1:45**
